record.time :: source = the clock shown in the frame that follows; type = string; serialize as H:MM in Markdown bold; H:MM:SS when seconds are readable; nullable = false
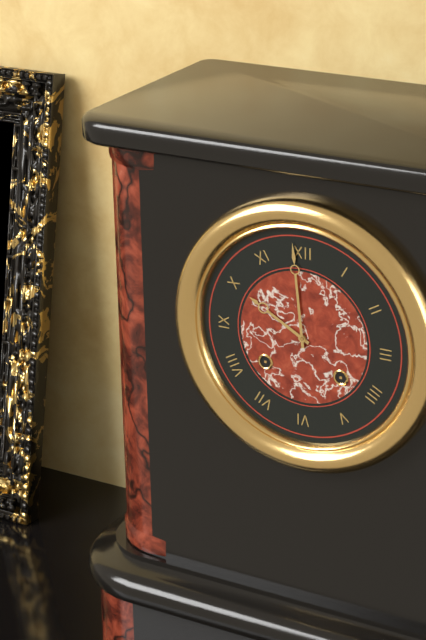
**9:59**
